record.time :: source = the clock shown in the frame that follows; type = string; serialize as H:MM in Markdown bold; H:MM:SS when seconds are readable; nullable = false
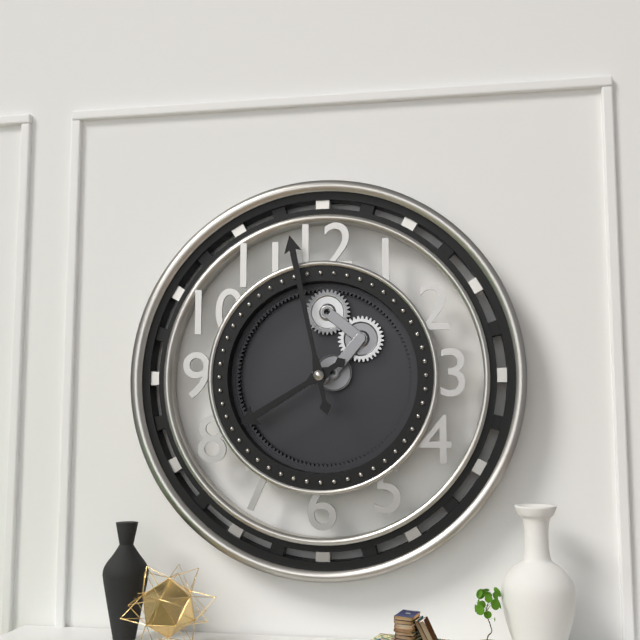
**7:58**
